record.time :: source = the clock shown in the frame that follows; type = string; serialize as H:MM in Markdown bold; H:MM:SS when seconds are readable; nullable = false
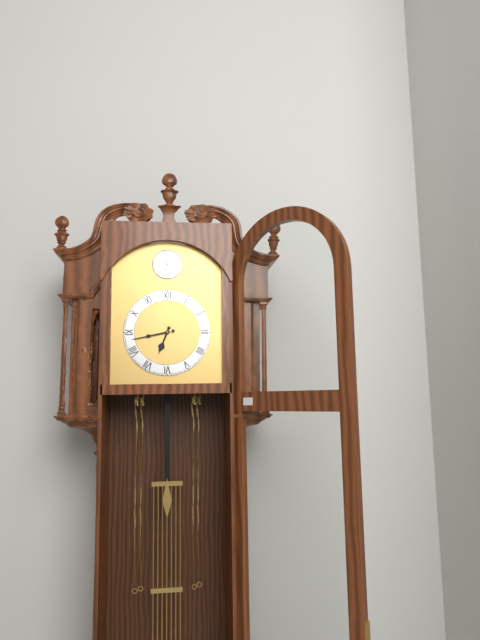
**6:43**
